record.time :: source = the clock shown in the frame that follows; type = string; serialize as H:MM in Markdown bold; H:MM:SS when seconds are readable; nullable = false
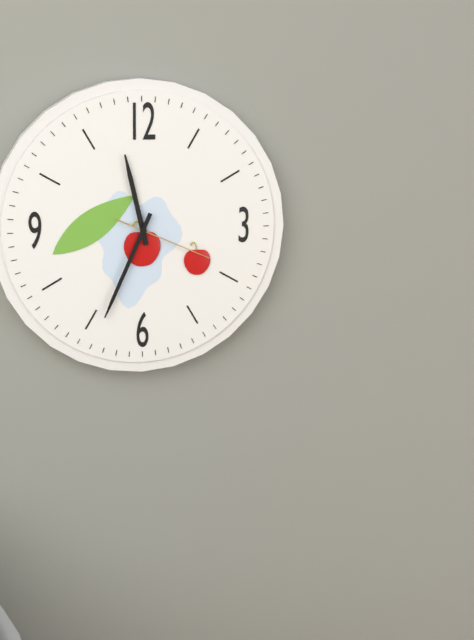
**11:34:19**
